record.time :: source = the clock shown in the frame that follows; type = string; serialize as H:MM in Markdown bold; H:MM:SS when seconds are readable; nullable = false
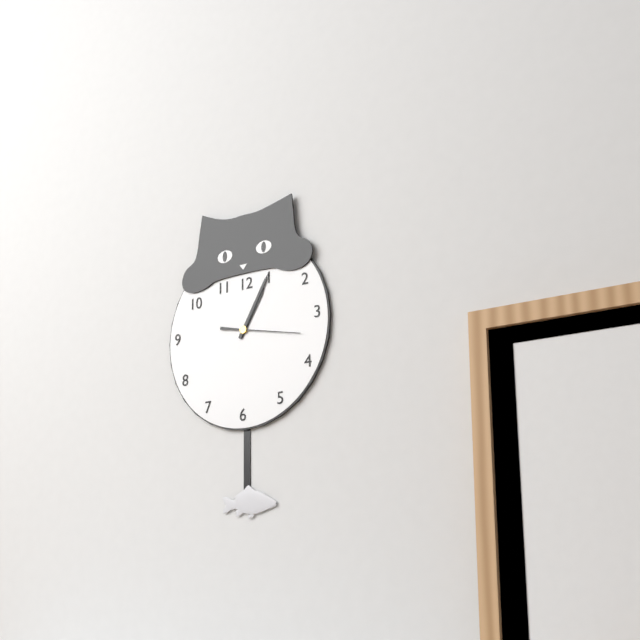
**1:05:17**
